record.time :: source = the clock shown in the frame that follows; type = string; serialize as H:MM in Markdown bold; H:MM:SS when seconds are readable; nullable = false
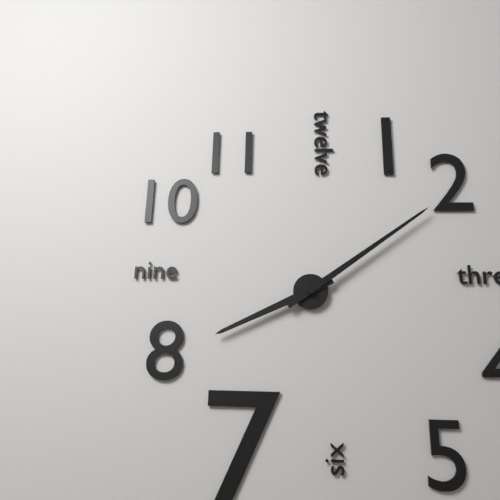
**8:09**
